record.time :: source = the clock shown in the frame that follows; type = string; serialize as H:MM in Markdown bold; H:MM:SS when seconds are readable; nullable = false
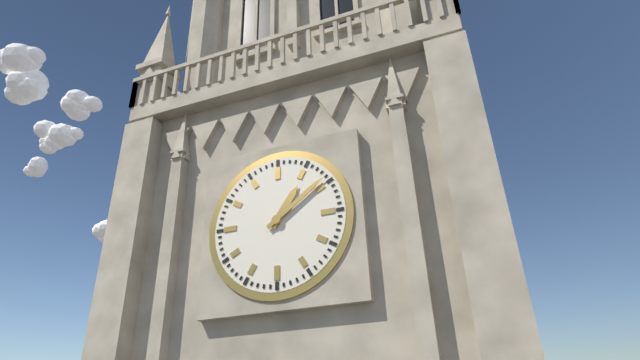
**1:09**
